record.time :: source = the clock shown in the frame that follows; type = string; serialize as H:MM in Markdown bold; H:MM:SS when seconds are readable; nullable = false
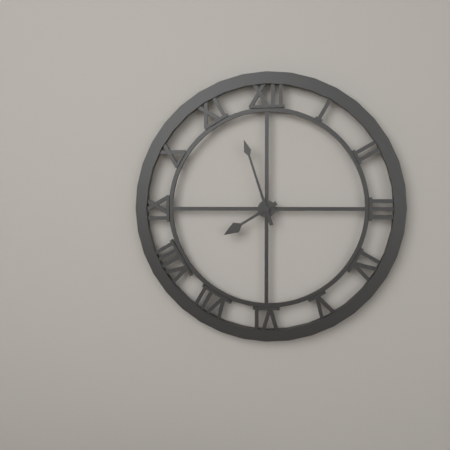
**7:57**
